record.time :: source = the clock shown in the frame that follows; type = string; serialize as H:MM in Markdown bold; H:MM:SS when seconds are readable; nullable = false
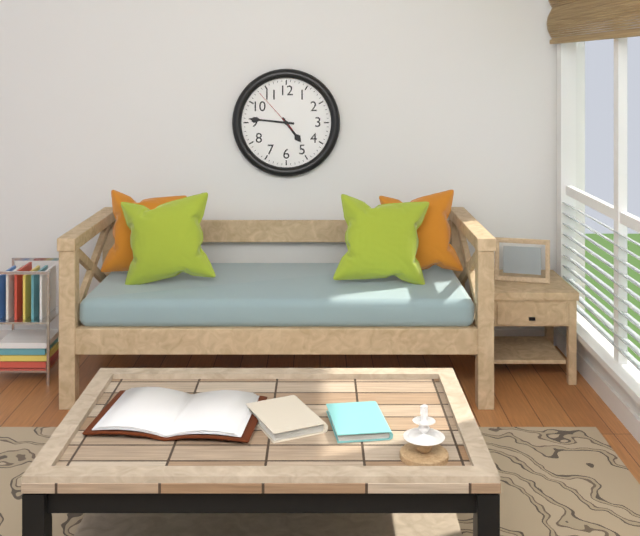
**4:46:53**
